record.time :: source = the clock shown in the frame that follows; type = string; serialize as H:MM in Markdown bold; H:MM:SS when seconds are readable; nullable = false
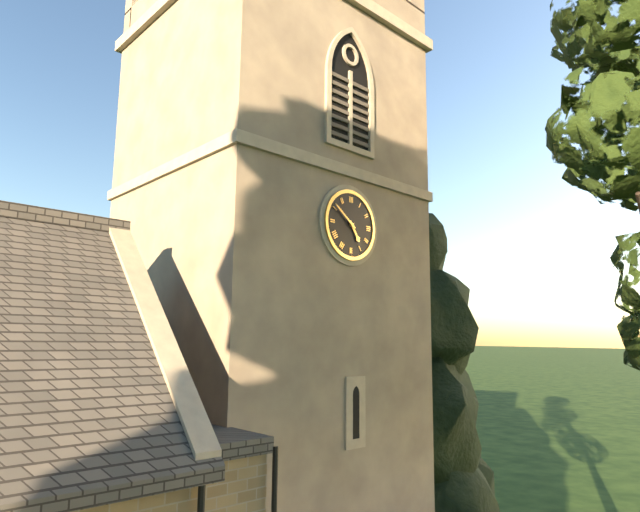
**4:51**
